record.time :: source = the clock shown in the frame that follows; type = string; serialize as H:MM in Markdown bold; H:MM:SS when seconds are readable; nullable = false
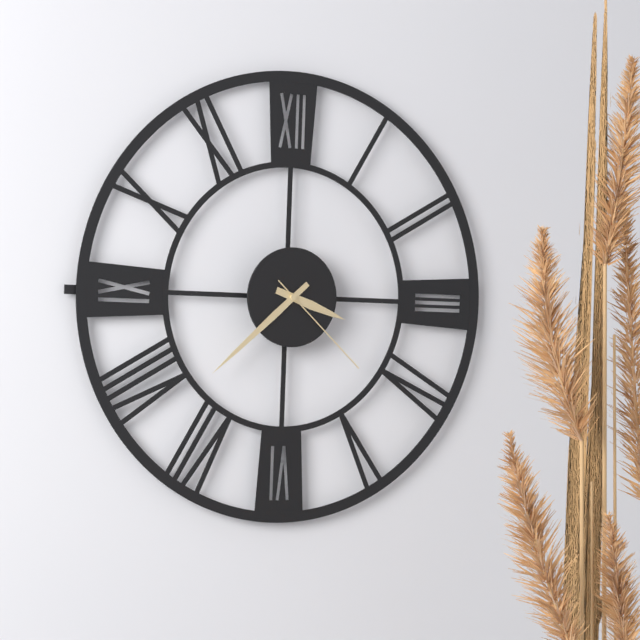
**3:38:22**
